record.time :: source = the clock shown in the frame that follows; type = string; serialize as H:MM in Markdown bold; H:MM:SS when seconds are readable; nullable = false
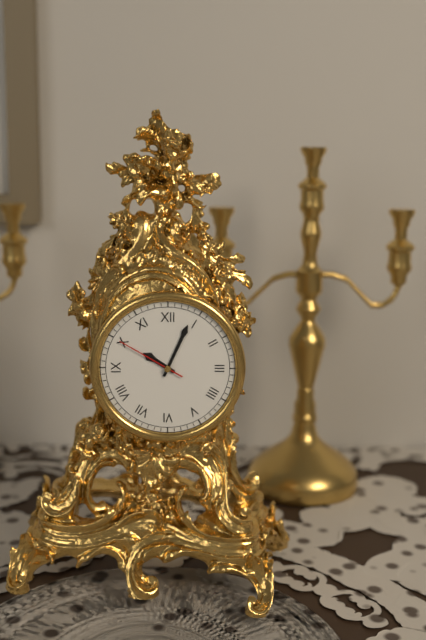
**10:04:50**
